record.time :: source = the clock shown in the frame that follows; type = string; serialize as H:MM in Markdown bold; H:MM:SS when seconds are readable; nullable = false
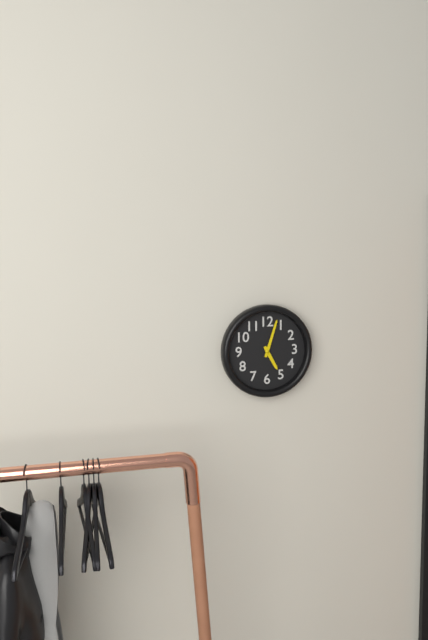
**5:03**
